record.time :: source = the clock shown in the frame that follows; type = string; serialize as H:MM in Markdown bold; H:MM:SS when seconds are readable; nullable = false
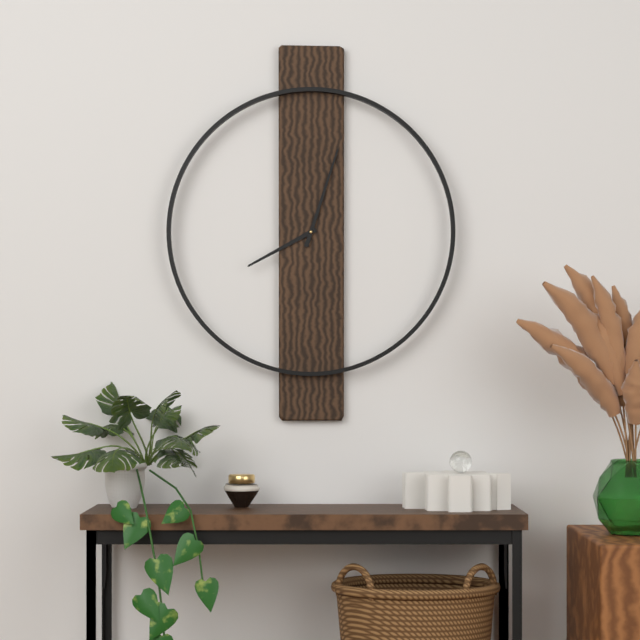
**8:03**
